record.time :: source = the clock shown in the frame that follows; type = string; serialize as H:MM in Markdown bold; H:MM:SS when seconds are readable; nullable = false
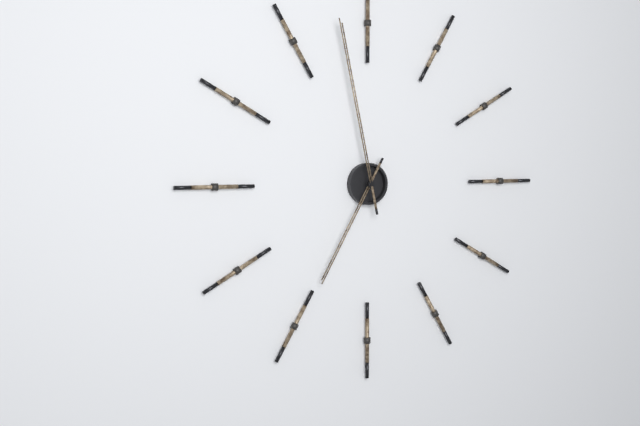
**6:58**
